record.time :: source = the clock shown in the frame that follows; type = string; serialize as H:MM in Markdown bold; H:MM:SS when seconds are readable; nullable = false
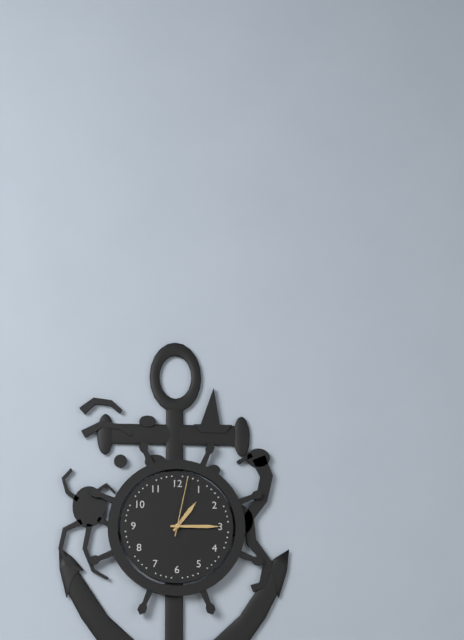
**1:15:02**
